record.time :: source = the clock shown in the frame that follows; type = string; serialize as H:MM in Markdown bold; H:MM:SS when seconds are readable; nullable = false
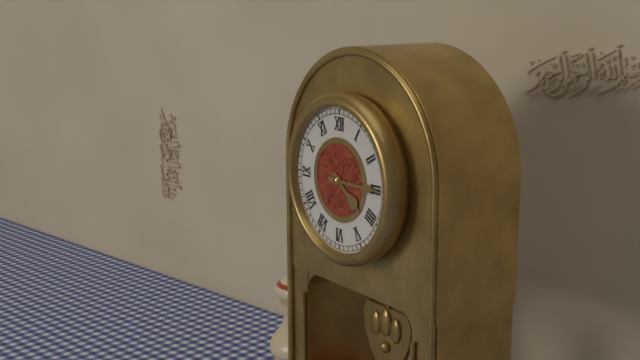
**4:15**
